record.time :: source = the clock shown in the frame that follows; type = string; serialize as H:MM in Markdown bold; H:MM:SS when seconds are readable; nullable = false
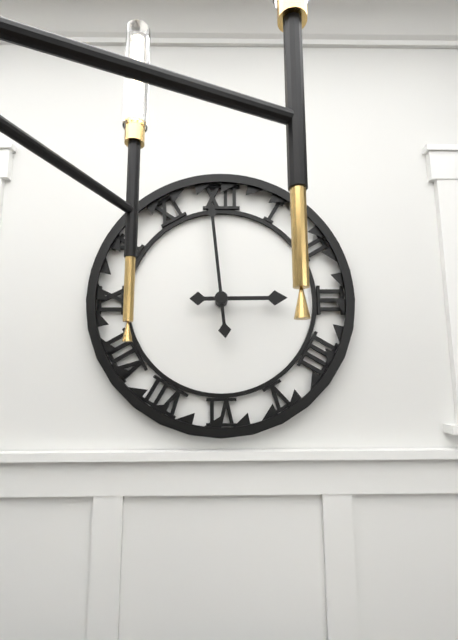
**2:59**
